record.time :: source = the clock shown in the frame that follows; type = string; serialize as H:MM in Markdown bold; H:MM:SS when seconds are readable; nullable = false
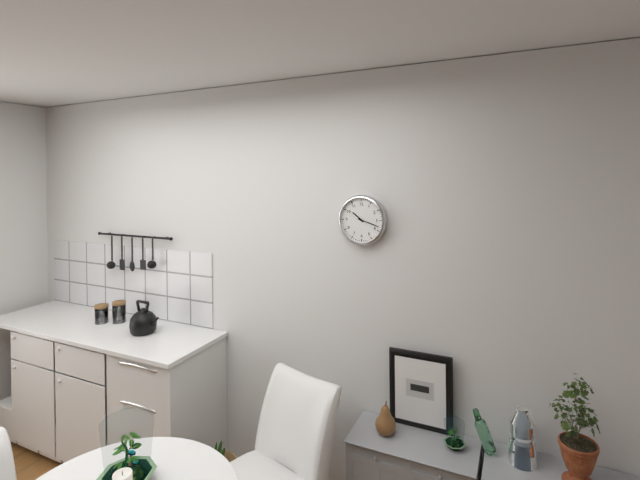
**10:18**
